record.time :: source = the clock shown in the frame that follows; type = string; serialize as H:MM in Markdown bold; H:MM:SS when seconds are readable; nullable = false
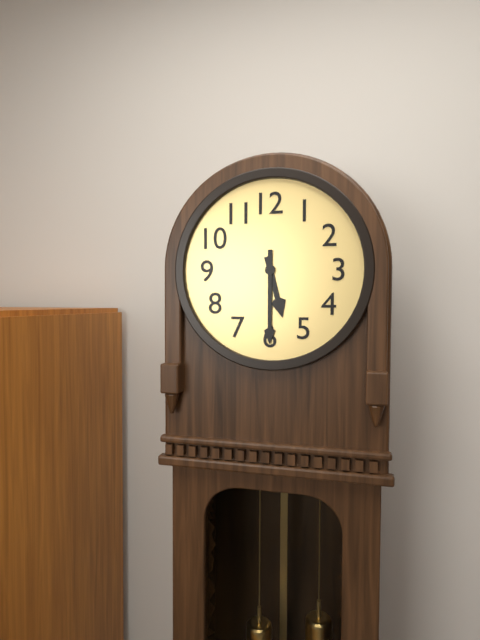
**5:30**
